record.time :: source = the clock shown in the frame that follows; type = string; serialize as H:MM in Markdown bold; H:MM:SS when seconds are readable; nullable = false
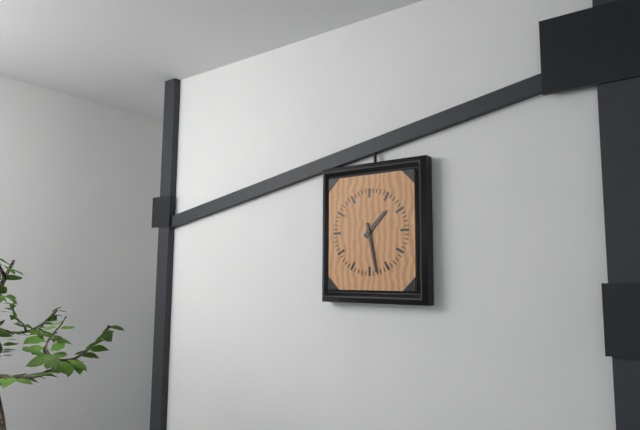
**1:28**
